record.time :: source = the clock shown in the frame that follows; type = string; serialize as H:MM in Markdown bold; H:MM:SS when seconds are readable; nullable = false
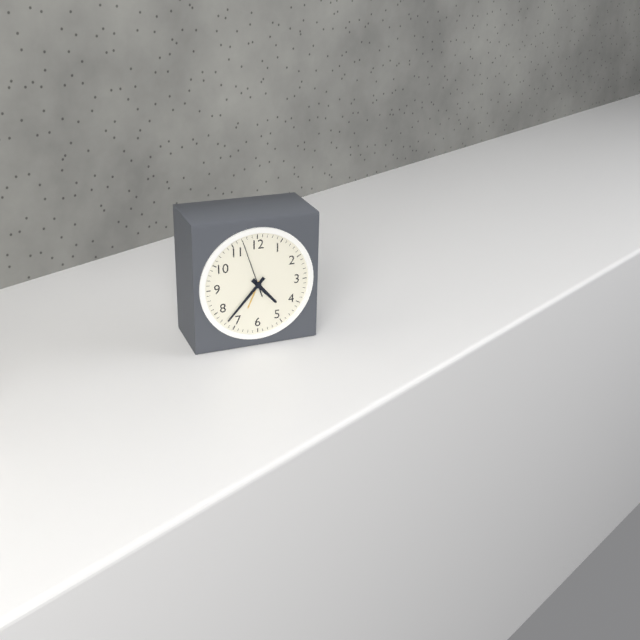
**4:37:57**
